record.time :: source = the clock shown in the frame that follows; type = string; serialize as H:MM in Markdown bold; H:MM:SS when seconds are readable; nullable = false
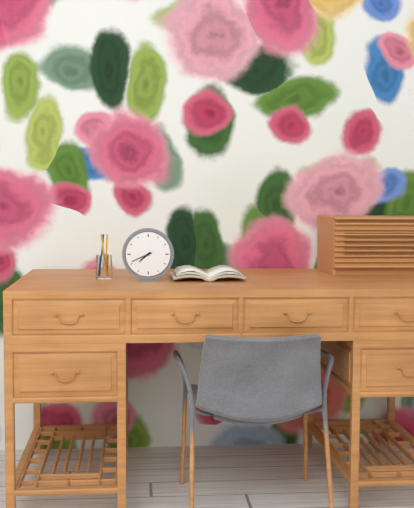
**7:41**
